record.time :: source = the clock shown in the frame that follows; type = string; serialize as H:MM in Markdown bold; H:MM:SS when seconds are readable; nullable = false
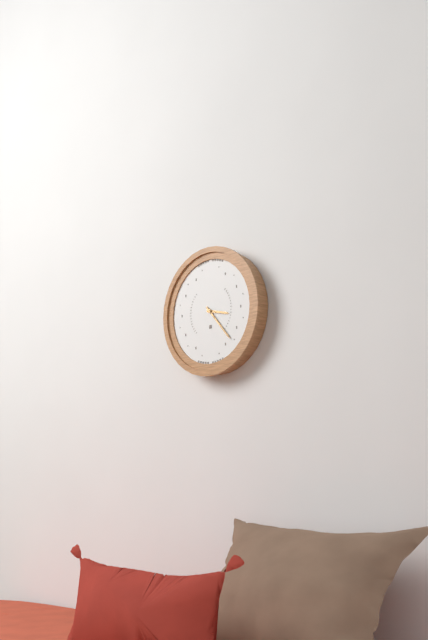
**3:23**
